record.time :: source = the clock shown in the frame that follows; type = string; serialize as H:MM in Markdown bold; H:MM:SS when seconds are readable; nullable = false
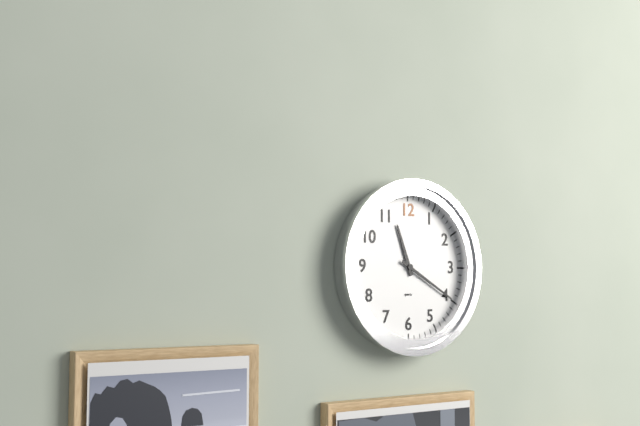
**11:20**
